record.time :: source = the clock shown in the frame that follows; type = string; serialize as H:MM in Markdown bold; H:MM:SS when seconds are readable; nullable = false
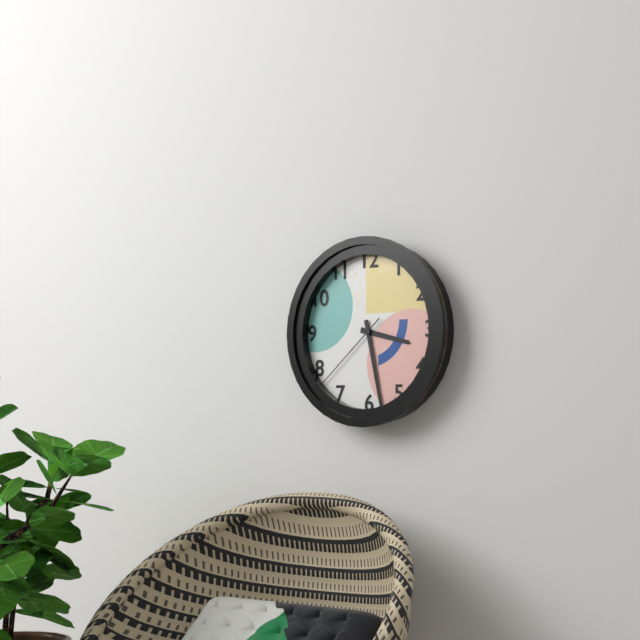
**3:28:38**
